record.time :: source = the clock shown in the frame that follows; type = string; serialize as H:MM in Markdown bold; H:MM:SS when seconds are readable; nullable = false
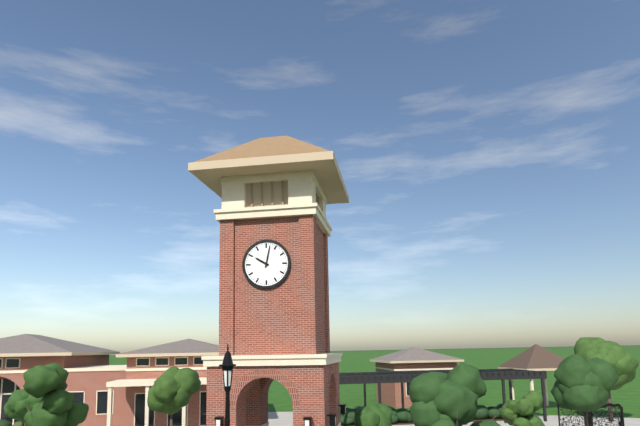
**10:02**
